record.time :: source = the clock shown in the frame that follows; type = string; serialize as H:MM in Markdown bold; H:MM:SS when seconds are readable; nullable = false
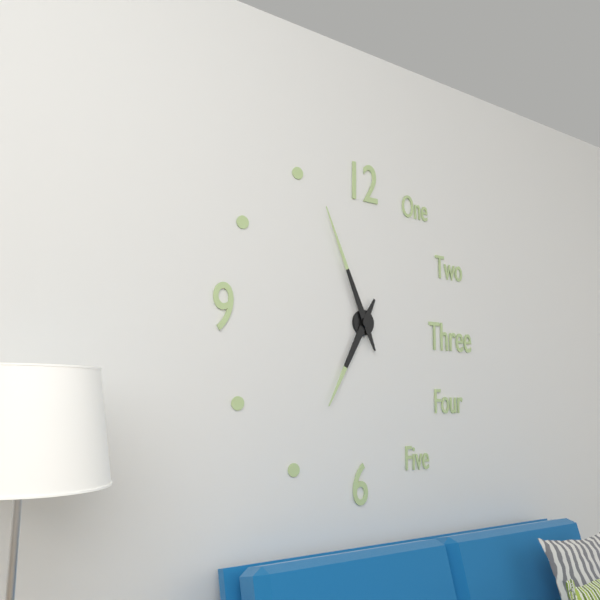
**6:56**
